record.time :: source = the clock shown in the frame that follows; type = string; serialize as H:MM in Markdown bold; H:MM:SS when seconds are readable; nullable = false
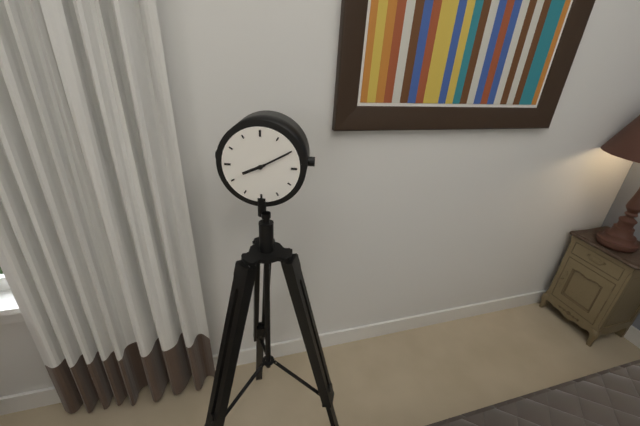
**8:10**
